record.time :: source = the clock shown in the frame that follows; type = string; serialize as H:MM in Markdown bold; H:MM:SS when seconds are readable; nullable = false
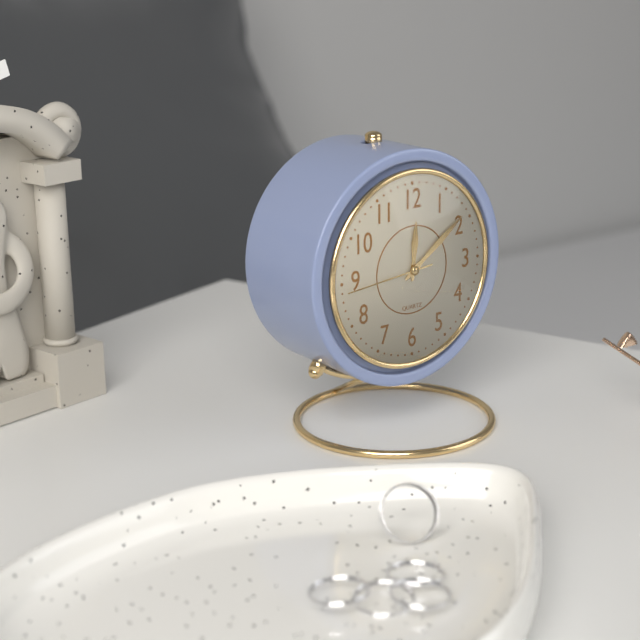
**12:09:44**
